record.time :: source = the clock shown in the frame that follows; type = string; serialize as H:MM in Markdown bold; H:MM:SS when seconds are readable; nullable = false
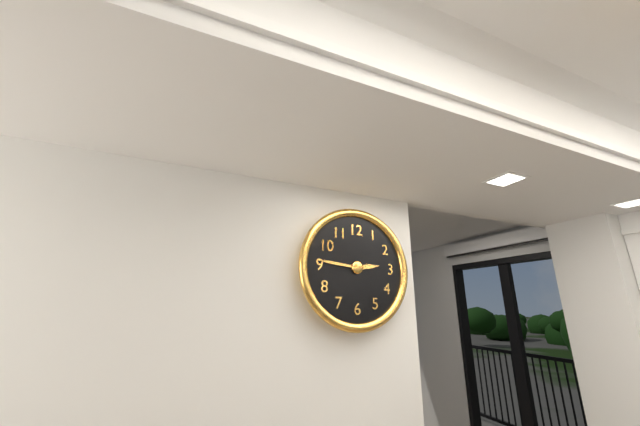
**2:46**
